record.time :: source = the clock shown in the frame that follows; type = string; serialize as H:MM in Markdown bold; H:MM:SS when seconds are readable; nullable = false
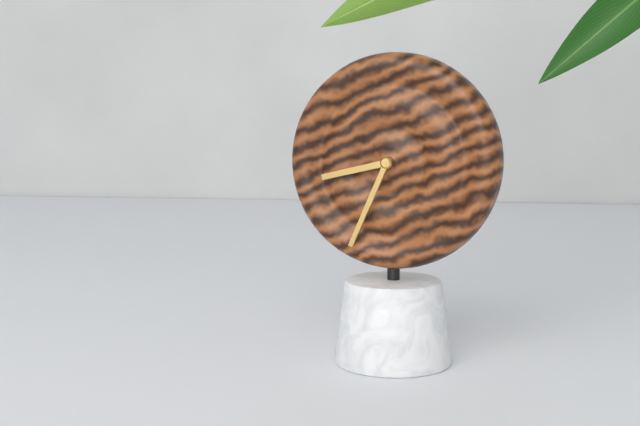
**8:34**
